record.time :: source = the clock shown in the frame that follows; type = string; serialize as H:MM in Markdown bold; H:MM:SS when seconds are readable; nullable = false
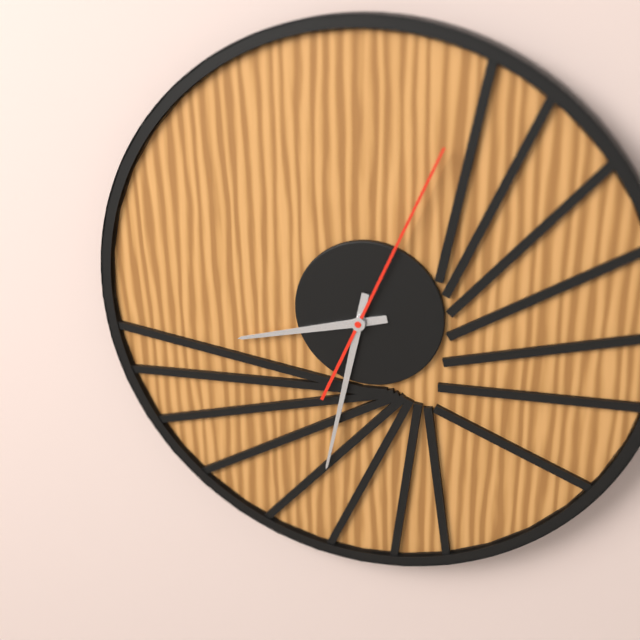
**8:32:04**
